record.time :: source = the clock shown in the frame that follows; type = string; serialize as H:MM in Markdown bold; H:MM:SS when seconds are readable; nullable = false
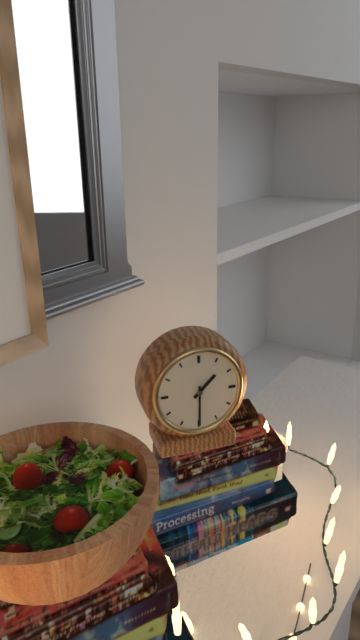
**1:30**
